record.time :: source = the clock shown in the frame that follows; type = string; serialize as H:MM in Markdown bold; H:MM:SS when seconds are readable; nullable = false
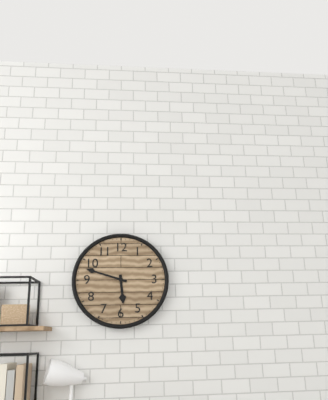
**5:48**
